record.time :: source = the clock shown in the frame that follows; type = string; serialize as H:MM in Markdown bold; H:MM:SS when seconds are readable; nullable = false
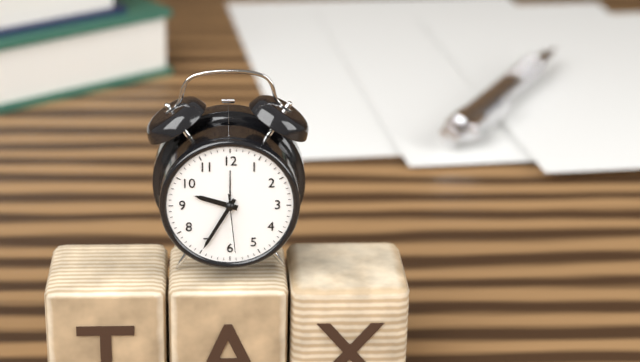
**9:35:29**
